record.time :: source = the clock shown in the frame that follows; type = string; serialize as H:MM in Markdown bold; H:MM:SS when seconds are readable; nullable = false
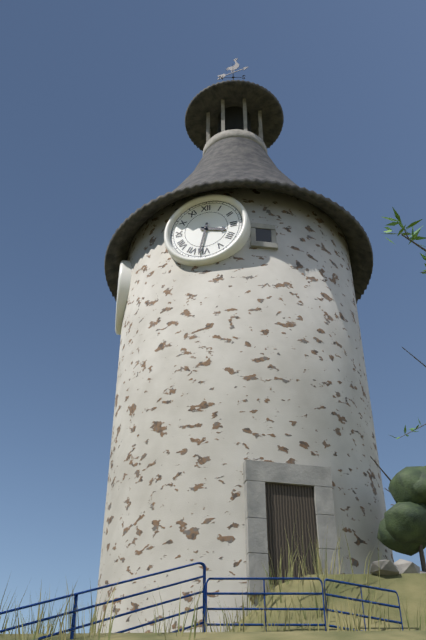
**3:32**
